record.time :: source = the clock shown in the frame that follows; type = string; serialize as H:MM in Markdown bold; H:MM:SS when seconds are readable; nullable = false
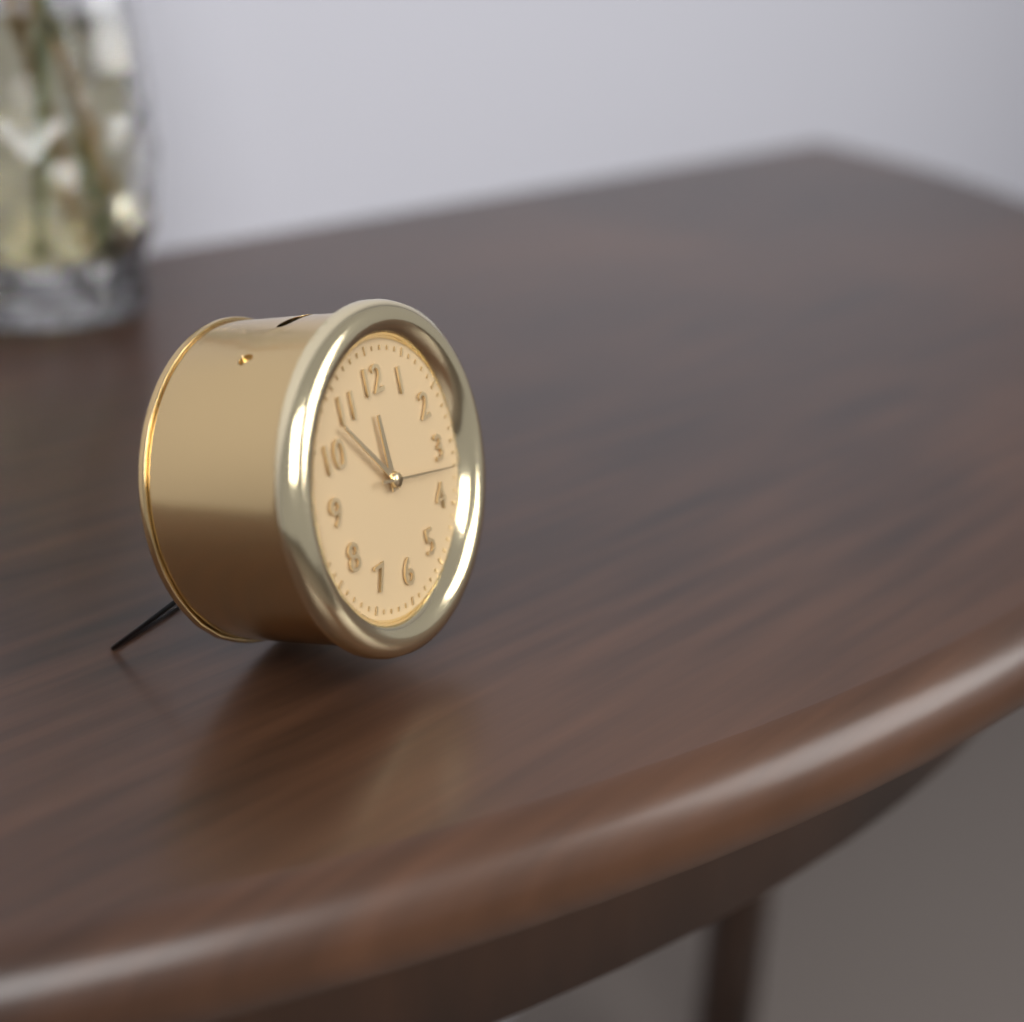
**11:53:17**
